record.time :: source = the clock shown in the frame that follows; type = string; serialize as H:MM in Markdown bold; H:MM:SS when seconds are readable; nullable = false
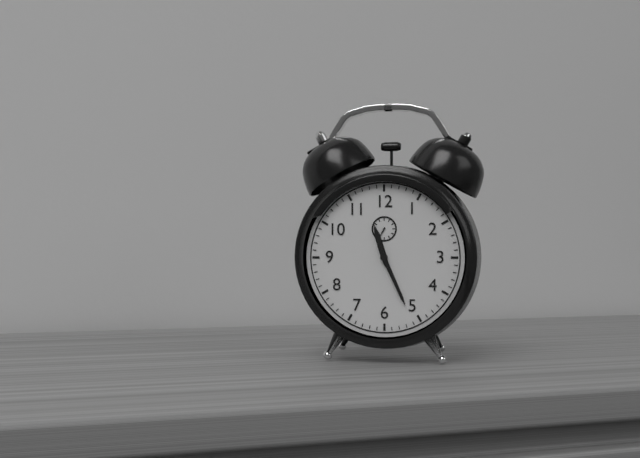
**11:26**
